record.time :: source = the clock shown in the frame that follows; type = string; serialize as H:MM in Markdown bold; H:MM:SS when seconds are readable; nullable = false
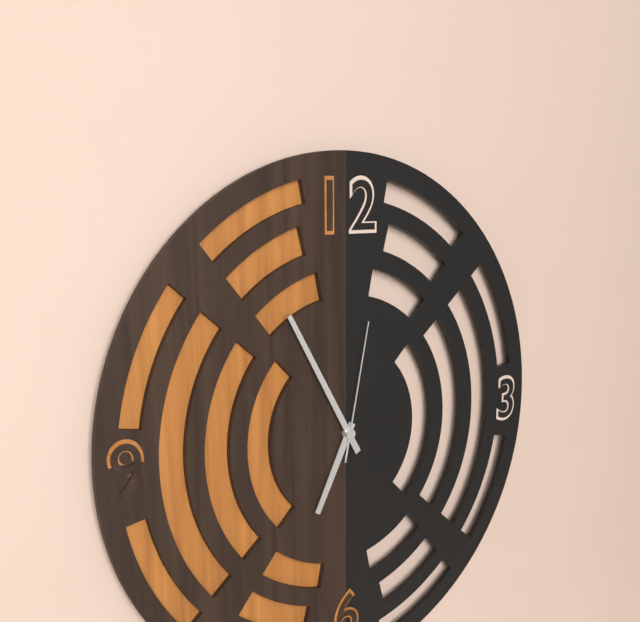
**6:55:02**
